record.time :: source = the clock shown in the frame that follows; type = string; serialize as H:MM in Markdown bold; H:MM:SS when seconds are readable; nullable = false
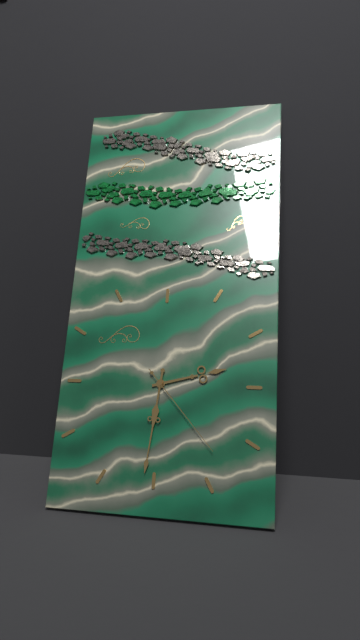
**2:31:23**
